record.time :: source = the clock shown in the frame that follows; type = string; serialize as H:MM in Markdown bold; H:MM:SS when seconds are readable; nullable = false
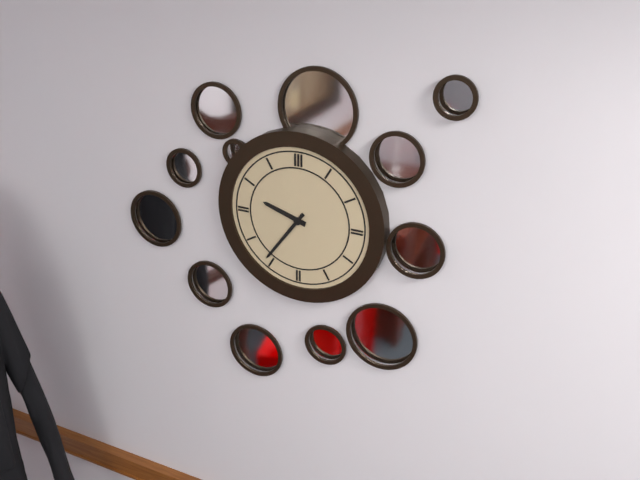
**9:36**
